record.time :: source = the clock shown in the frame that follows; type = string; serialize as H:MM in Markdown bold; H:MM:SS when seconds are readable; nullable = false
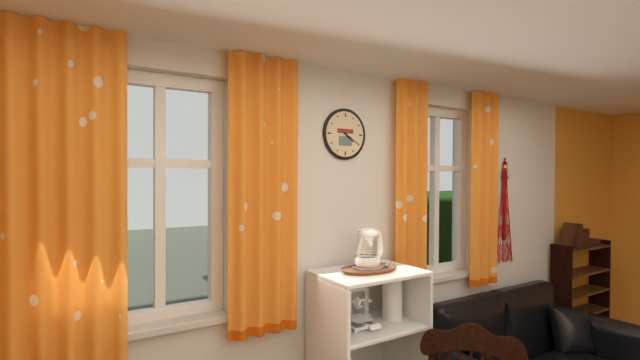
**4:20**
